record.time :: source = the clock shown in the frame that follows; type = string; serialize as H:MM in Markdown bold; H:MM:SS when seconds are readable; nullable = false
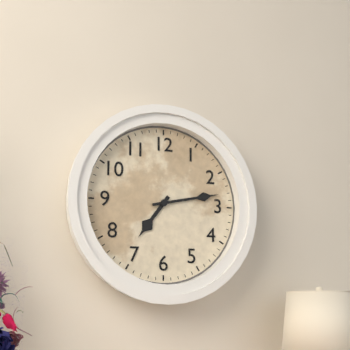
**7:13**
